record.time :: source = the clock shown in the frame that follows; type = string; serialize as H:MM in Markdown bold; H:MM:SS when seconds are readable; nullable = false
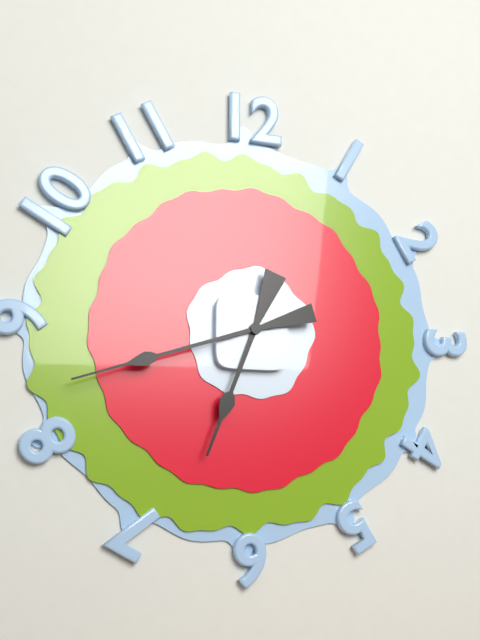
**6:42**
